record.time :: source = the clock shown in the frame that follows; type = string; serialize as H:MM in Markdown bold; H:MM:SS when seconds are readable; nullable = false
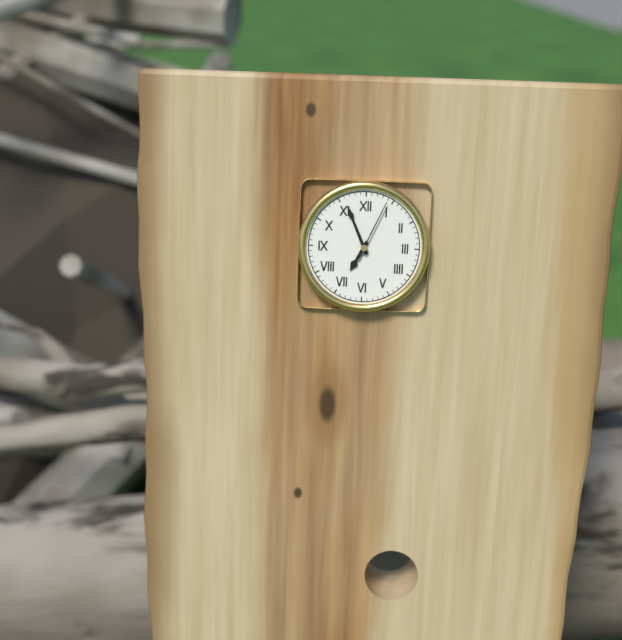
**6:56:04**
